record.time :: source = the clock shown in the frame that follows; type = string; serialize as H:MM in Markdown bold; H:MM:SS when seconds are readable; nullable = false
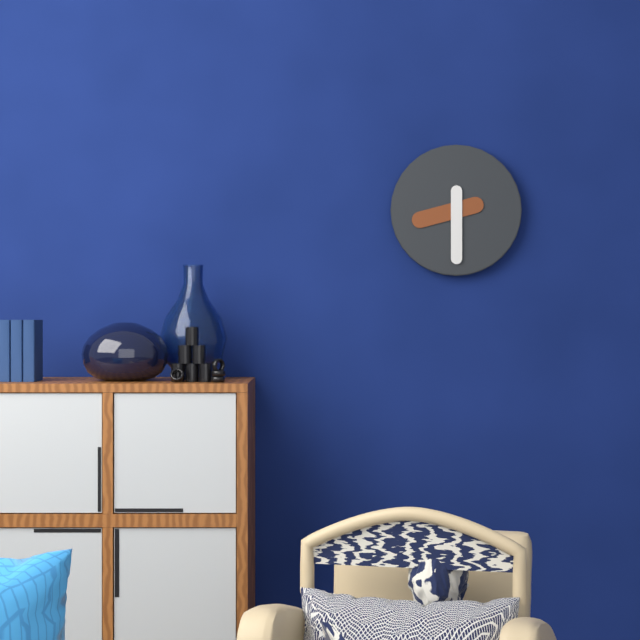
**8:30**
